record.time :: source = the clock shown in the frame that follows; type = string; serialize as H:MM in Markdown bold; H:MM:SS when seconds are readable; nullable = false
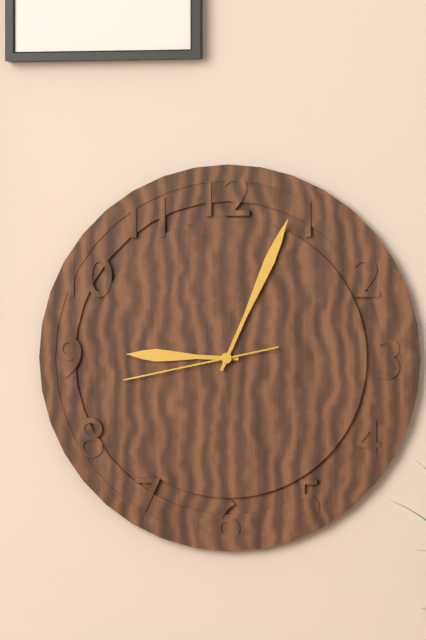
**9:04:43**
